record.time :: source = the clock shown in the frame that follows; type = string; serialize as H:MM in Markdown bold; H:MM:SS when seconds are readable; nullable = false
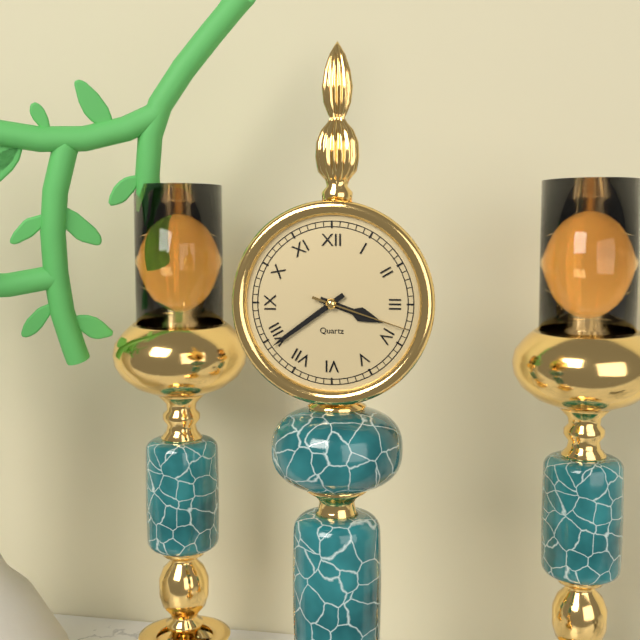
**3:39:18**
